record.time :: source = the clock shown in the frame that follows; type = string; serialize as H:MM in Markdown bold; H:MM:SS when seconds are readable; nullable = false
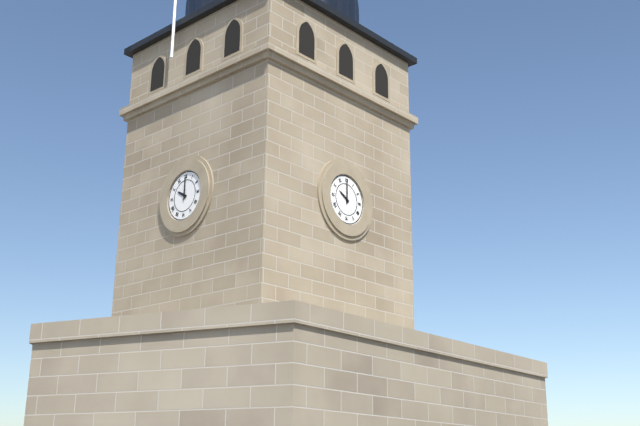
**10:00**
